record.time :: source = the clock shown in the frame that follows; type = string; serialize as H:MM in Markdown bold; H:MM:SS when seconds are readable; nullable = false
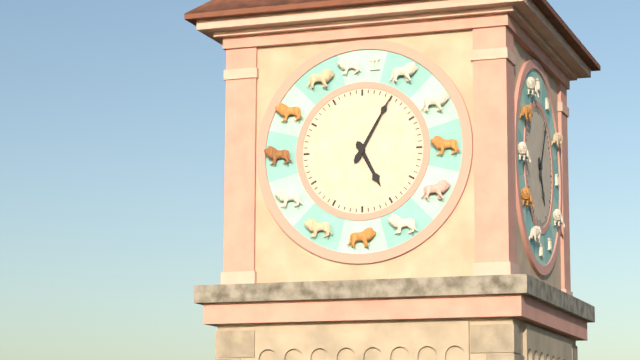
**5:05**
